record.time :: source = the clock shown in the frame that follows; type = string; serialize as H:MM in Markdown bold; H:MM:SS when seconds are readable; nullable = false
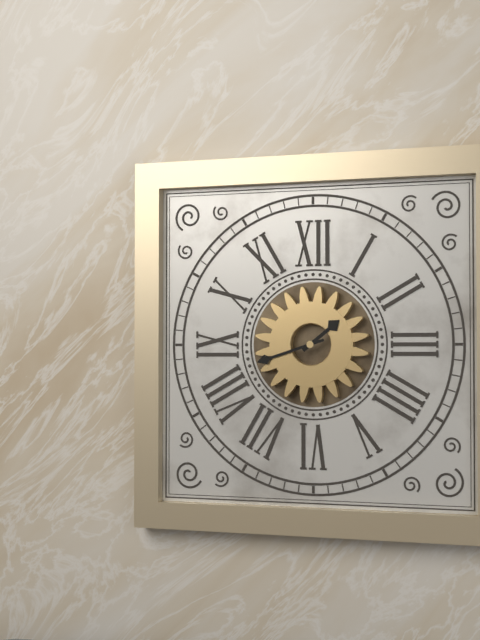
**1:42**
